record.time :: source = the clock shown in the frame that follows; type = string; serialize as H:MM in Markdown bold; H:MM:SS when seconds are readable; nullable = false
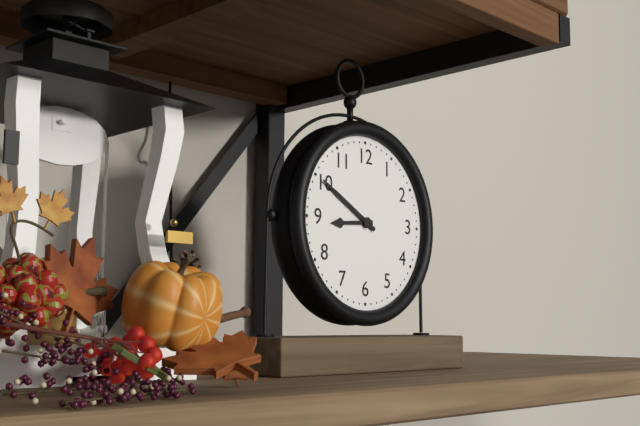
**8:50**
